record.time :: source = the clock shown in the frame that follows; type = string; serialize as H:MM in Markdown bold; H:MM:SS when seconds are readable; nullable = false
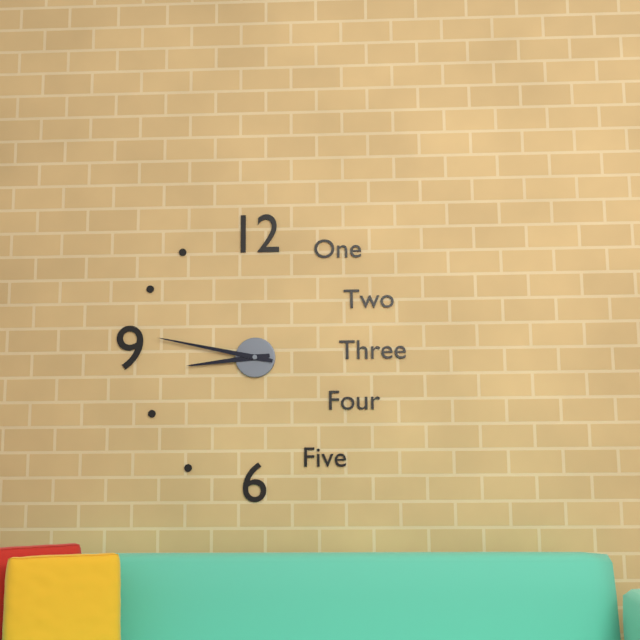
**8:47**
